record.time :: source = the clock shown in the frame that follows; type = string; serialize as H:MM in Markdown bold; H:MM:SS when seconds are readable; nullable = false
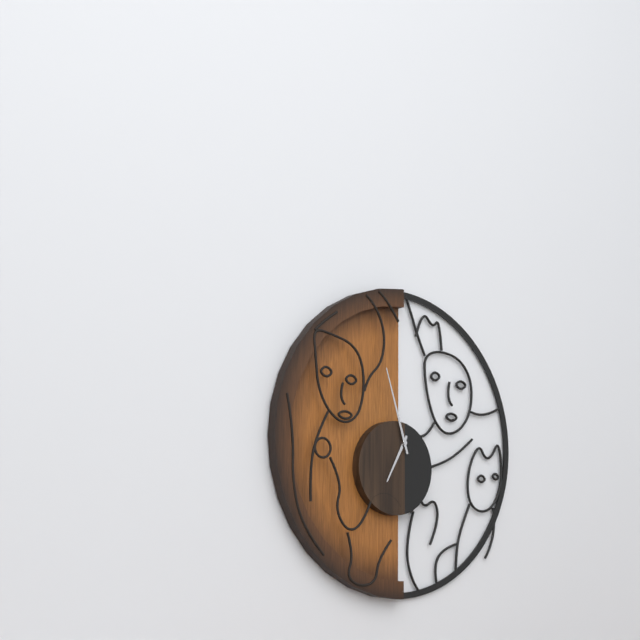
**6:57**
